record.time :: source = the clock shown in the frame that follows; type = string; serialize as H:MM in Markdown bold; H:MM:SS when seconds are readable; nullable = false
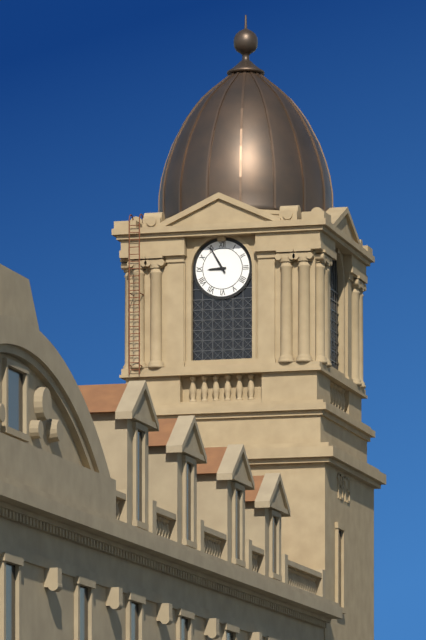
**8:55**
